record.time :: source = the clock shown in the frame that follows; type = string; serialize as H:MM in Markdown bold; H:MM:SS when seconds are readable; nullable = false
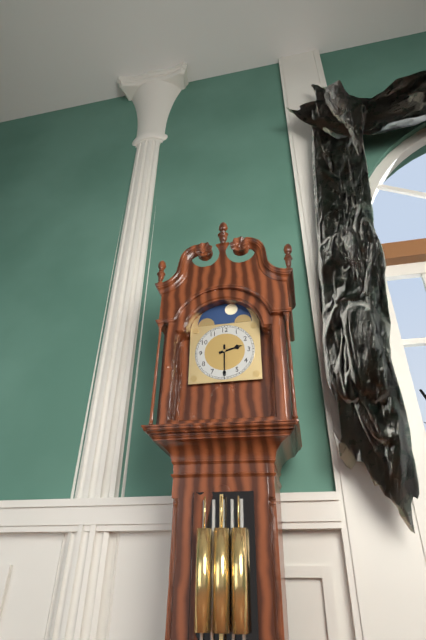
**2:30**
